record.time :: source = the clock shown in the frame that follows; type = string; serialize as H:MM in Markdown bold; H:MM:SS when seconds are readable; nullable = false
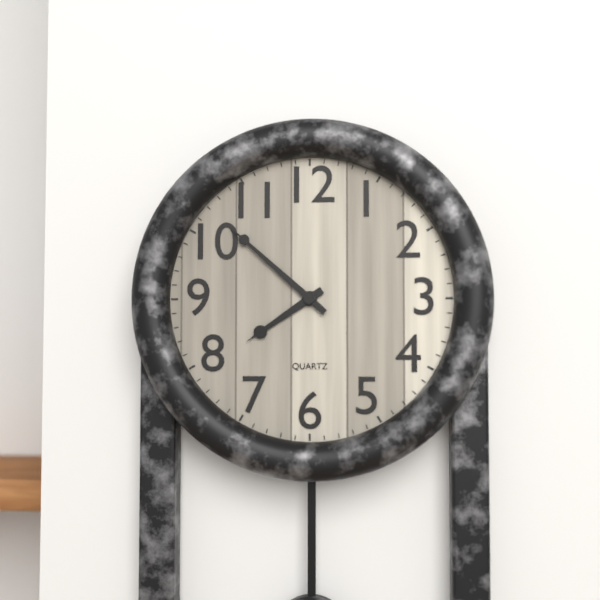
**7:52**
